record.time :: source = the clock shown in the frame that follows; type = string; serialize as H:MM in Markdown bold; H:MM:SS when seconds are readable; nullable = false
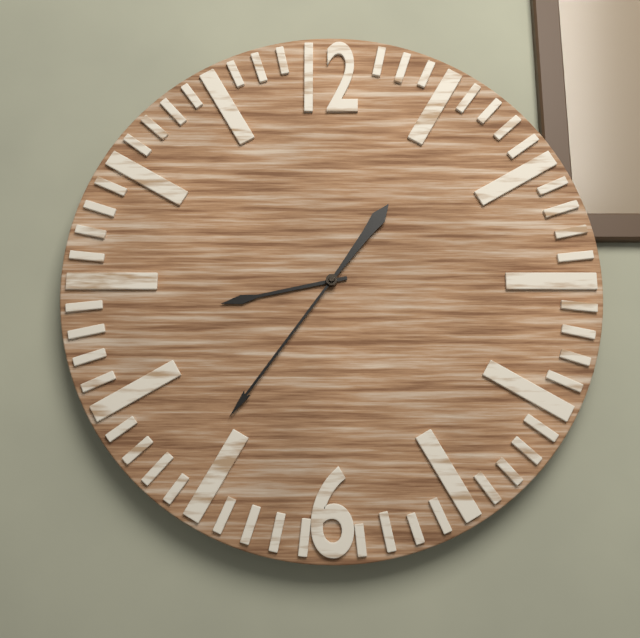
**8:36**
